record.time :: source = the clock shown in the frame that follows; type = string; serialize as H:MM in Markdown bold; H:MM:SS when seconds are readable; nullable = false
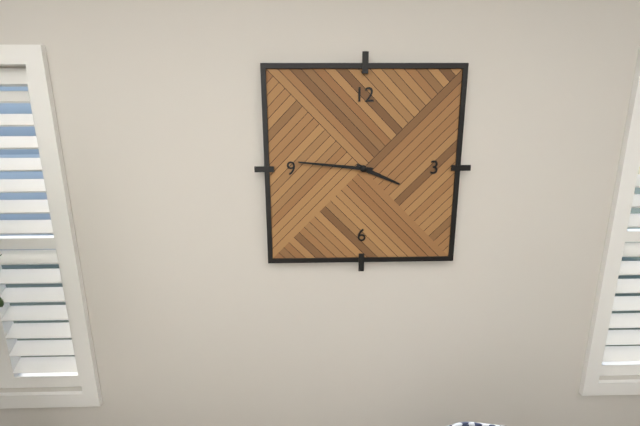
**3:46**
